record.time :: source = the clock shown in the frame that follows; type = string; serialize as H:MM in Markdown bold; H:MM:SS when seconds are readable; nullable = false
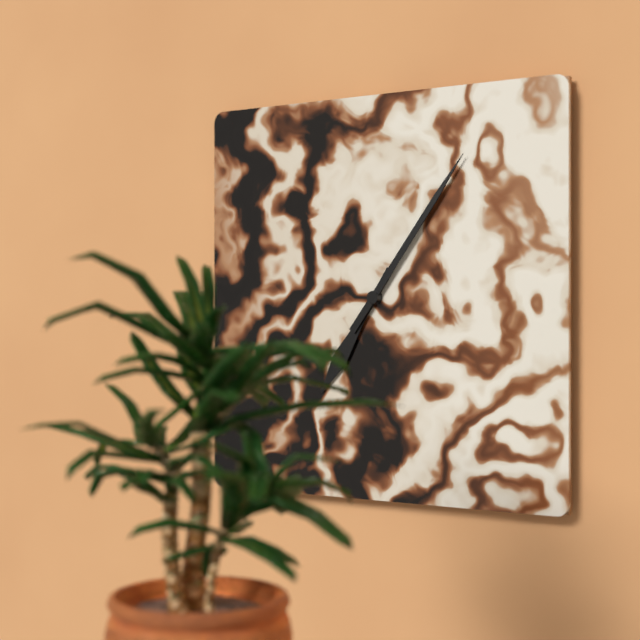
**7:06**
